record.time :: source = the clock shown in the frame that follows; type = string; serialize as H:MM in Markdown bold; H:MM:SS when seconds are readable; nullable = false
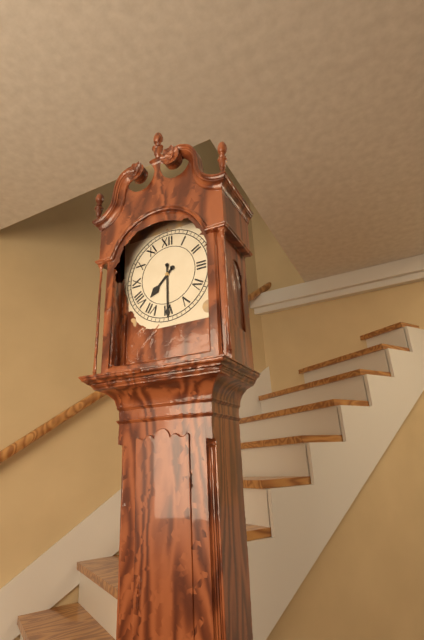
**7:30**
